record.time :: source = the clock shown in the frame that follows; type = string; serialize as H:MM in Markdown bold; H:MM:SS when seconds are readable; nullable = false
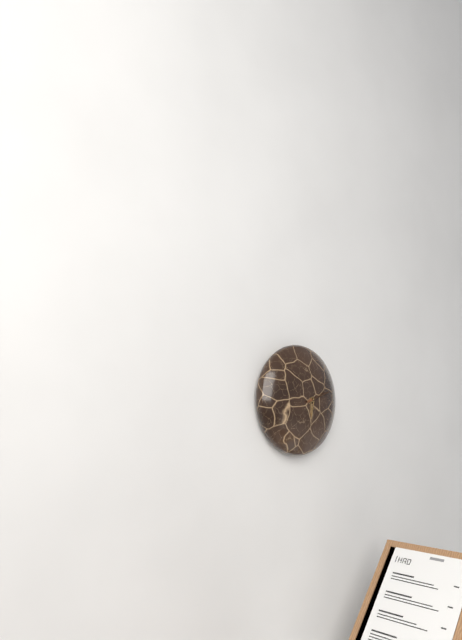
**6:12**
